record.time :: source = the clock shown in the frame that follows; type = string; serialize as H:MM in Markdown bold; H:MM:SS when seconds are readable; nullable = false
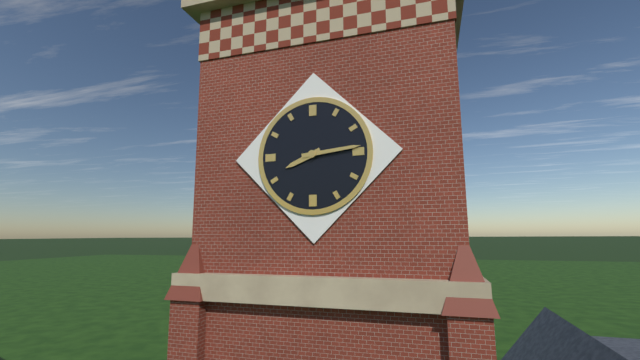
**8:14**
